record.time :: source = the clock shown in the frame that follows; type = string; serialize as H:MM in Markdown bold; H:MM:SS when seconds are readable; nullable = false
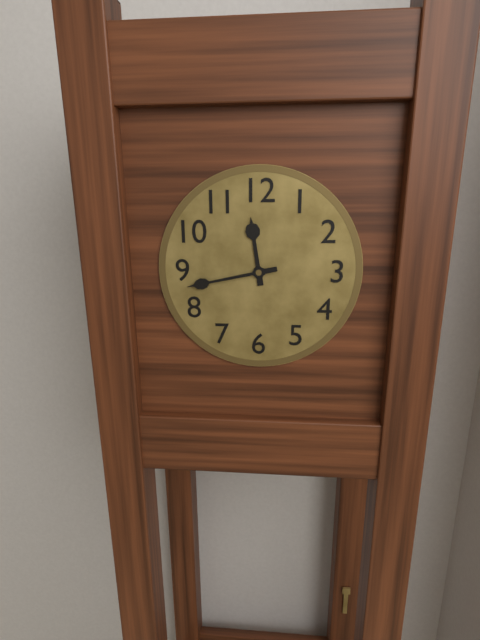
**11:43**
